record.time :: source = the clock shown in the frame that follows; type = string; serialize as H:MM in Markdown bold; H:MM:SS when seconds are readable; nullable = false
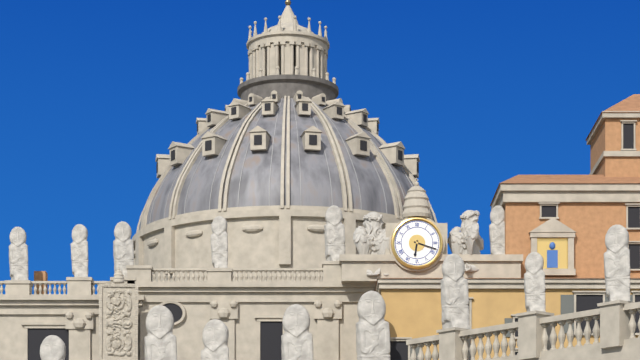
**6:18**
